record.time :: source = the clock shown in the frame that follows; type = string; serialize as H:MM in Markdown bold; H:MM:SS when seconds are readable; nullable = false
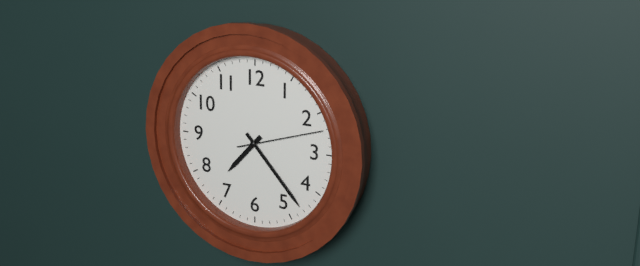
**7:23:12**
